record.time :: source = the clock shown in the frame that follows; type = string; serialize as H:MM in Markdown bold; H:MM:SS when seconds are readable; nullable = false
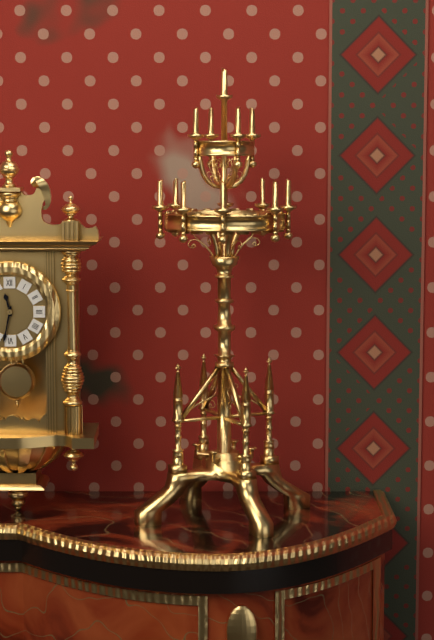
**11:32**
